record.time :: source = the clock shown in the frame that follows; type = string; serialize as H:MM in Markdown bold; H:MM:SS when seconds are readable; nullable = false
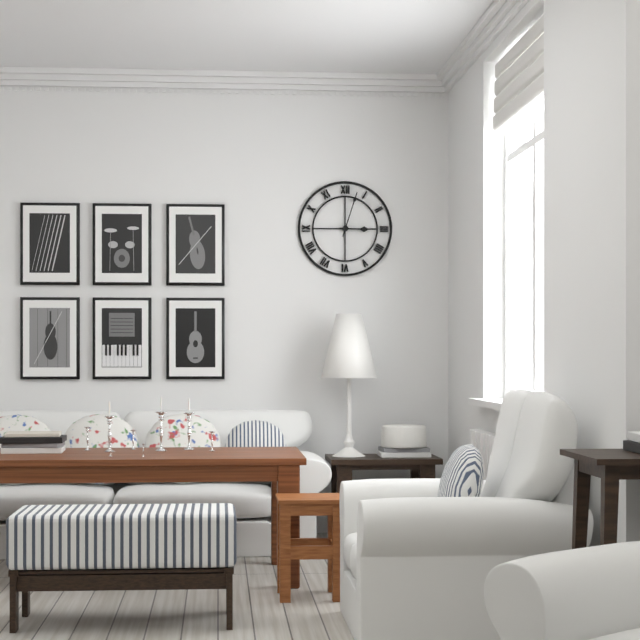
**3:03**
